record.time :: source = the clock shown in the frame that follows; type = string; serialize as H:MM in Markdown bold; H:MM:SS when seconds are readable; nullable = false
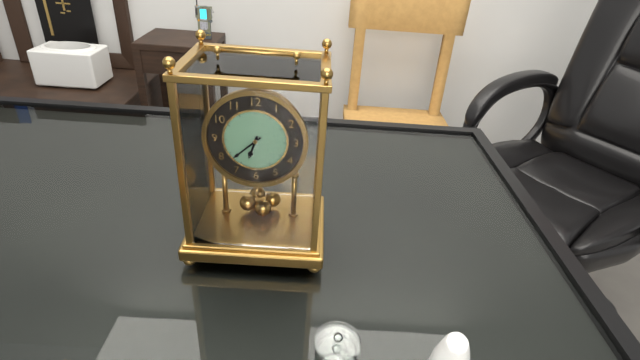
**6:38**
